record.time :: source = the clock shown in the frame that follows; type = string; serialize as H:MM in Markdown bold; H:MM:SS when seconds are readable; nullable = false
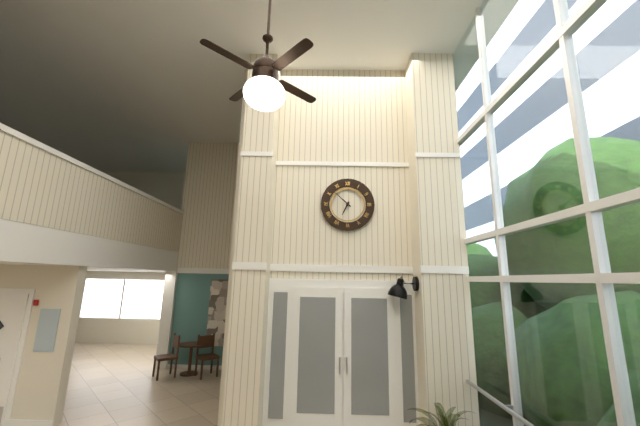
**6:52**
